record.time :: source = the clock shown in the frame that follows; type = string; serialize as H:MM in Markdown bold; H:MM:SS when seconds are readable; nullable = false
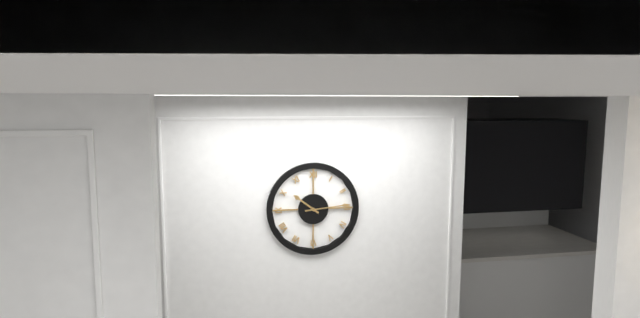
**10:14**
